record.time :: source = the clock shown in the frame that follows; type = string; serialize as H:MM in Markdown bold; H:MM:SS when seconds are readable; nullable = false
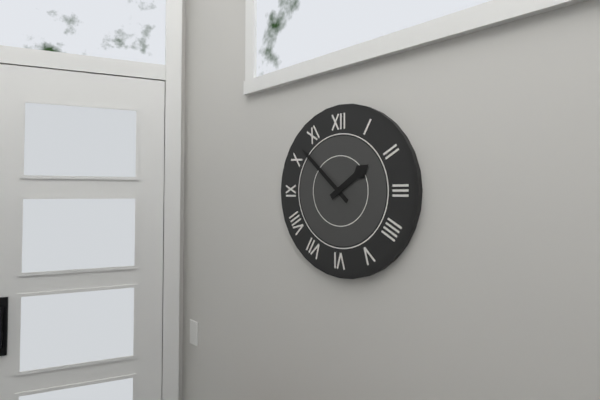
**1:52**
